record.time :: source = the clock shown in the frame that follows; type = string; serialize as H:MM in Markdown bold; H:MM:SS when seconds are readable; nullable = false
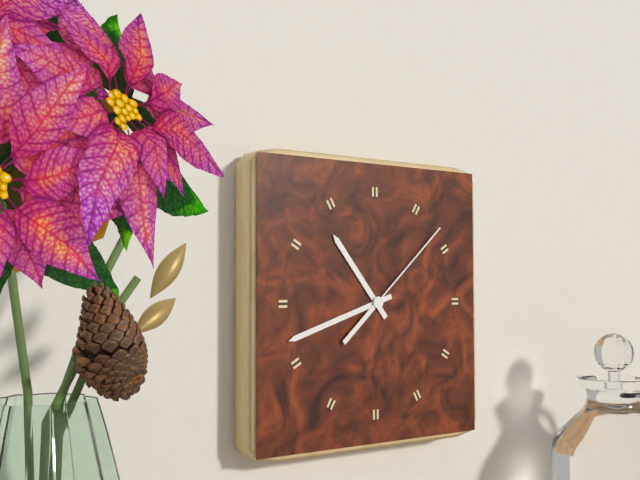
**10:42:08**
